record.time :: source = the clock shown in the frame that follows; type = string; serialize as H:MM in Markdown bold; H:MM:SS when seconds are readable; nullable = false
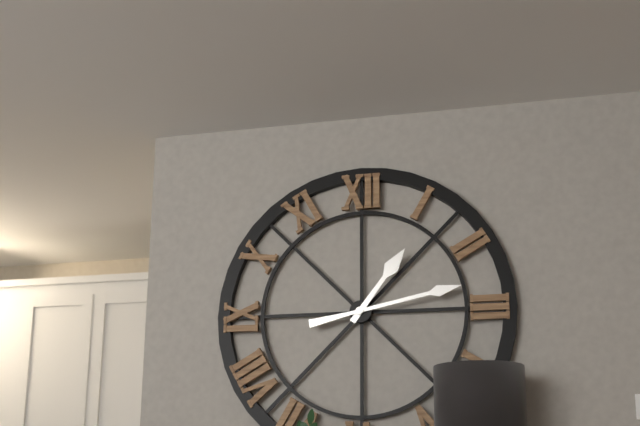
**1:13**
